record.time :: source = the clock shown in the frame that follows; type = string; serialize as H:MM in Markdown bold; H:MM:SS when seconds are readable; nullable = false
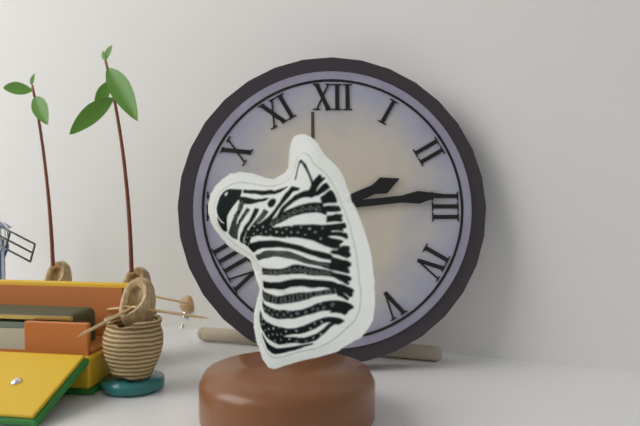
**2:14**
